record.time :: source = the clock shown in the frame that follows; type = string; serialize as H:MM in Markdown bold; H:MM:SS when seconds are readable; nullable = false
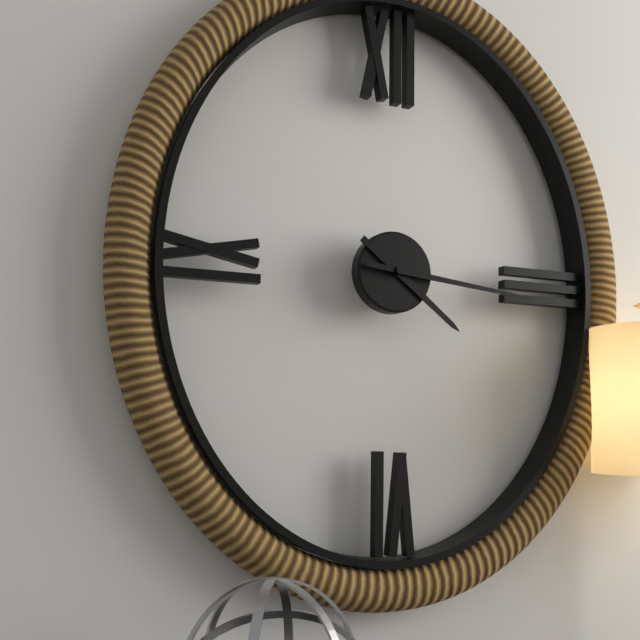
**4:16**
